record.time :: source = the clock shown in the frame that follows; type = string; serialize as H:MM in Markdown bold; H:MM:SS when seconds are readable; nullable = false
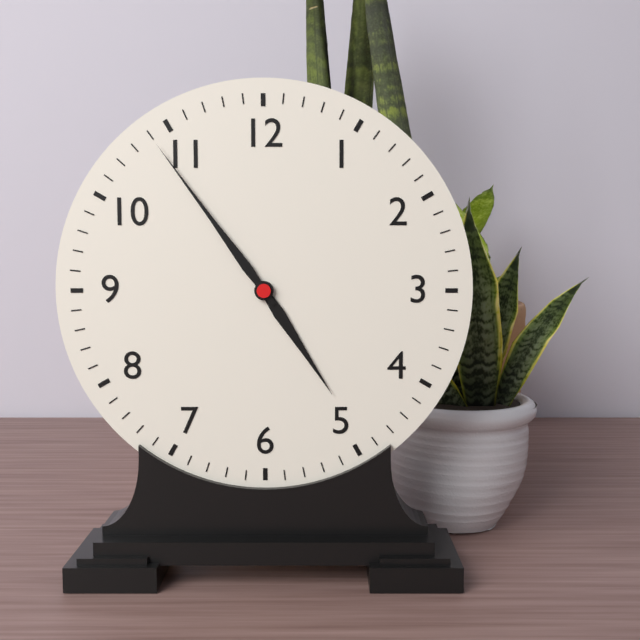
**4:54**
